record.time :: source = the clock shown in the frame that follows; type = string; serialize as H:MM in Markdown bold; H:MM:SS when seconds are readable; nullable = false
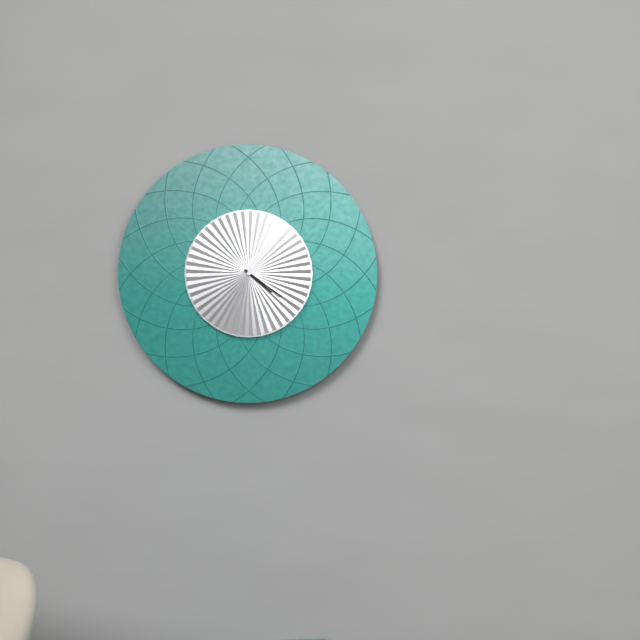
**4:21**
